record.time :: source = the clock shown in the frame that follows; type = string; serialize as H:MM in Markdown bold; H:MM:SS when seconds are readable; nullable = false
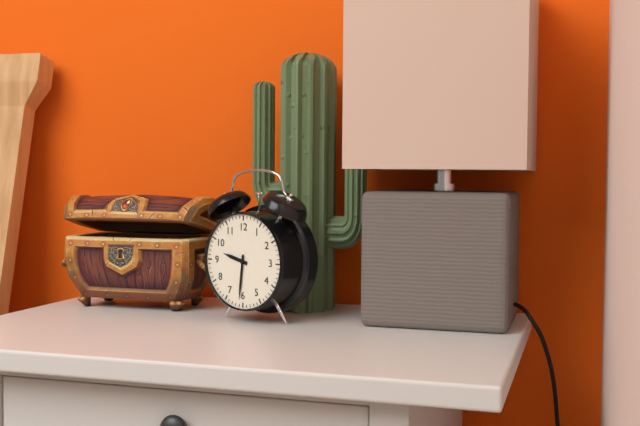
**9:31**
